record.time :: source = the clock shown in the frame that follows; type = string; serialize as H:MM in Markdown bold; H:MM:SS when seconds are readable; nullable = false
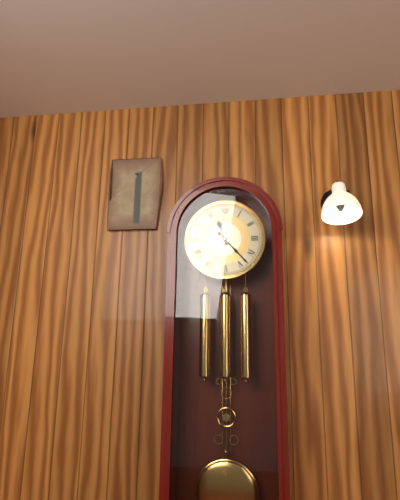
**11:23**
